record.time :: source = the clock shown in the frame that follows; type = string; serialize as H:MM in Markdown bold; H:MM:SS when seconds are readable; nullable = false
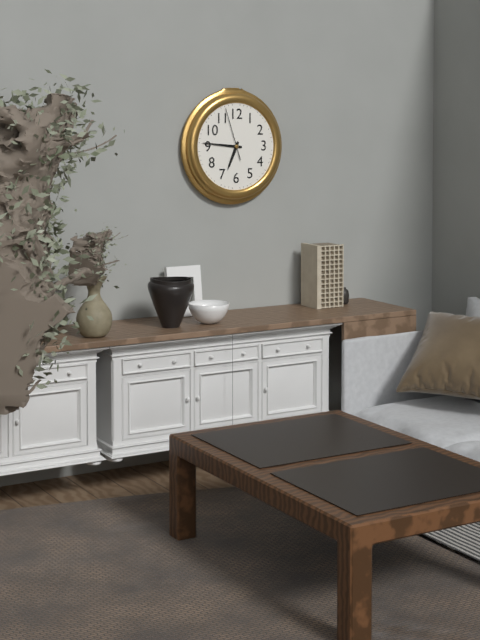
**6:46**
